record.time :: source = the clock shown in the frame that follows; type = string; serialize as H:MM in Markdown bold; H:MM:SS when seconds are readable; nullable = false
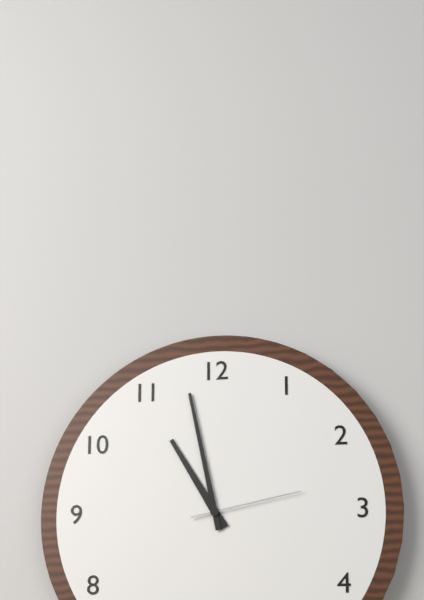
**10:58:13**
